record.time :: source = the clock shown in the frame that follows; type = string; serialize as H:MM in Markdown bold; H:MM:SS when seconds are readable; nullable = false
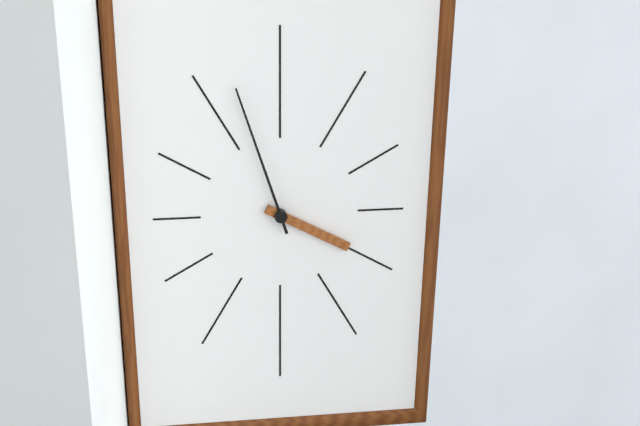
**3:57**
